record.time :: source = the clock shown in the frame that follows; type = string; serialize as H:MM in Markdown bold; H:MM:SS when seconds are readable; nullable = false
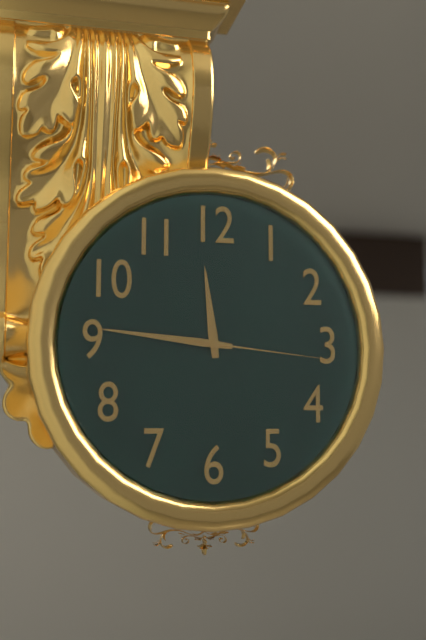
**11:46:16**
